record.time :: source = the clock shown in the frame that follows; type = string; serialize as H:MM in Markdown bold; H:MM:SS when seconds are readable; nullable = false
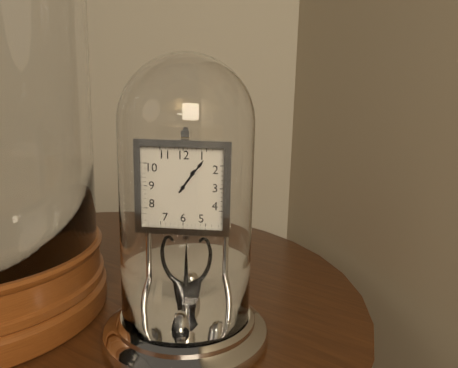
**1:06**
